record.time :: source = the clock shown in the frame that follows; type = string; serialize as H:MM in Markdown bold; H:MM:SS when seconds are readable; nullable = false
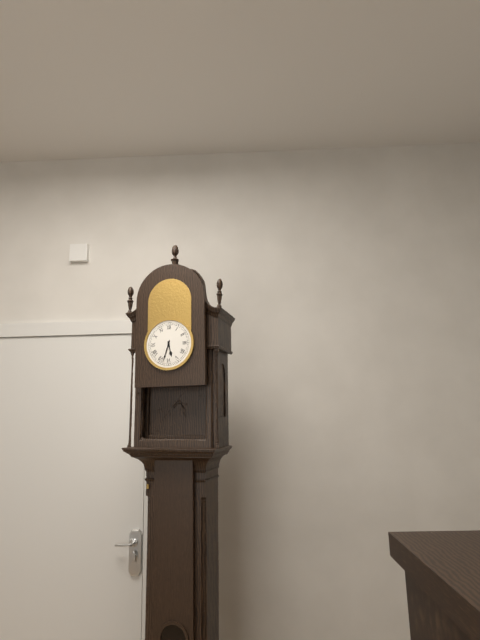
**5:33**
